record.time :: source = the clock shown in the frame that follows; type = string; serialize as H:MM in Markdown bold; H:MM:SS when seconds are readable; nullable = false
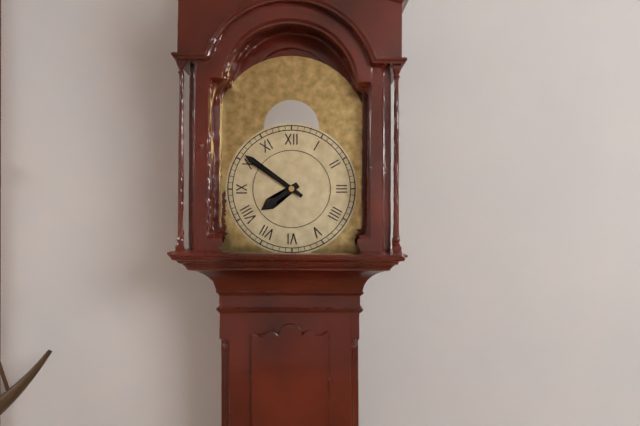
**7:51**
